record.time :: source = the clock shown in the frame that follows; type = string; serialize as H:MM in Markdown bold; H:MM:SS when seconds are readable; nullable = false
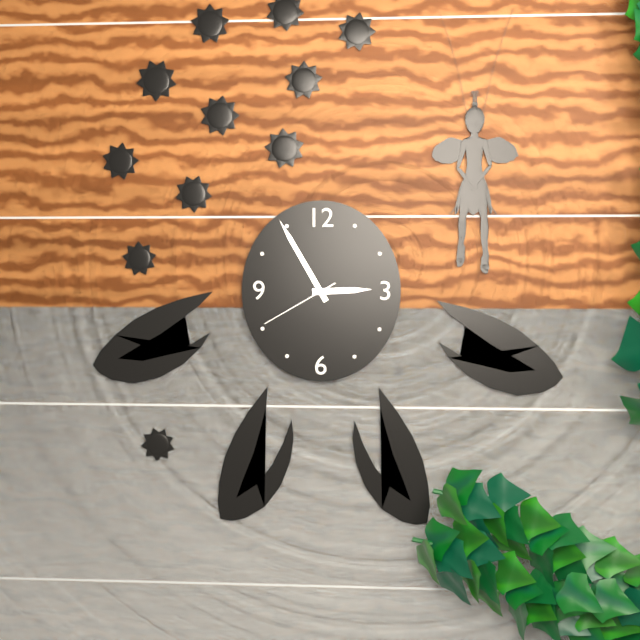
**2:55:40**
